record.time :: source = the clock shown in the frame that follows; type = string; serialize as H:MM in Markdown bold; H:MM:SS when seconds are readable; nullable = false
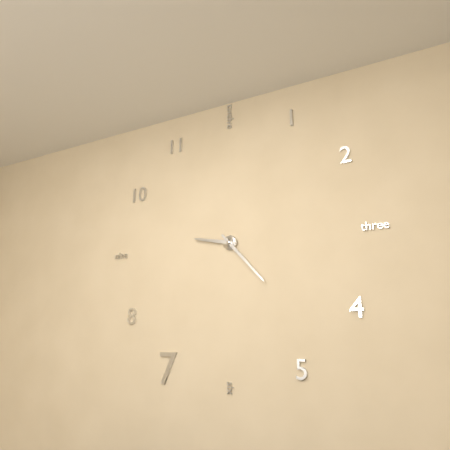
**9:23**
